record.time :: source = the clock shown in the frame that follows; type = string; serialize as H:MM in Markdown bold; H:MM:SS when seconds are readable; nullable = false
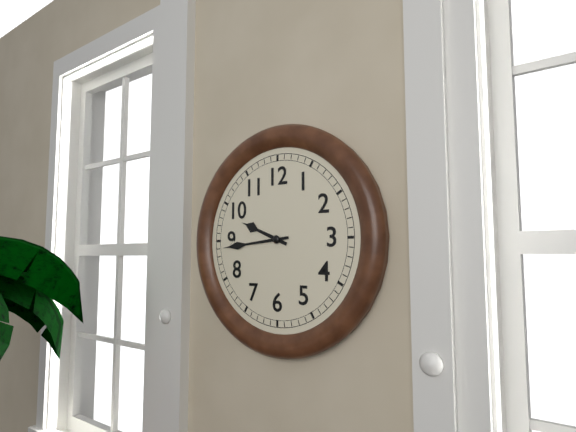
**9:44**
